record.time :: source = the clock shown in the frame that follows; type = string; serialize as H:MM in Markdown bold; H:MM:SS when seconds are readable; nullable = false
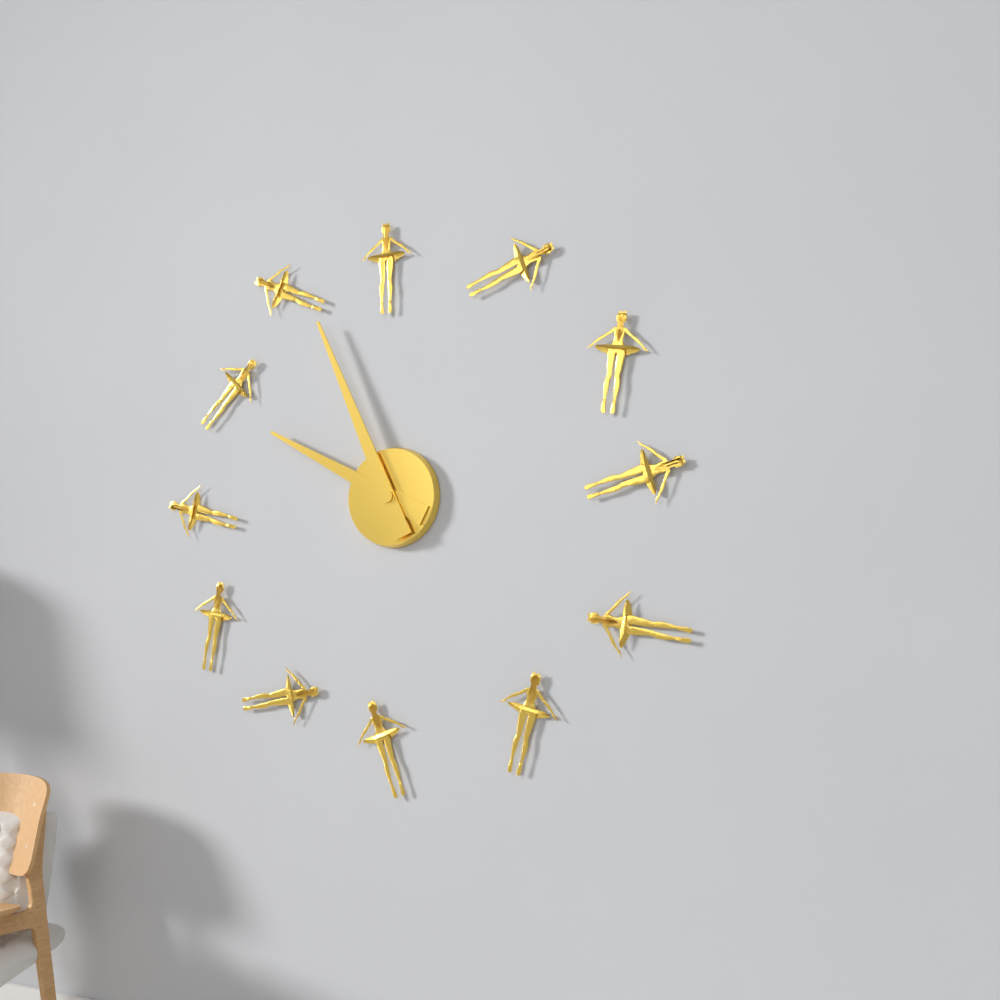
**9:56**
